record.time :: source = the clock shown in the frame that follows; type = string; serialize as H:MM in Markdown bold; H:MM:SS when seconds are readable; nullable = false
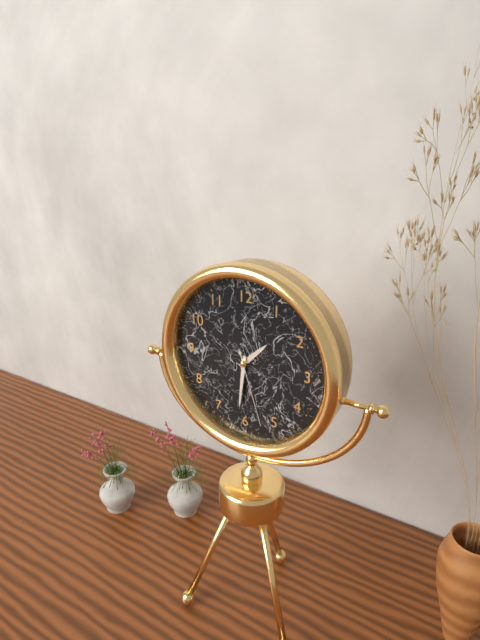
**1:31:27**
